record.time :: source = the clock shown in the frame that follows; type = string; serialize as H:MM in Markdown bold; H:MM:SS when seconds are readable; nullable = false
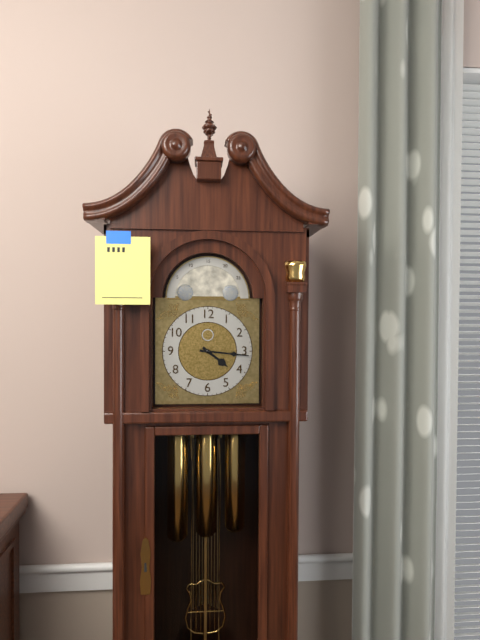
**4:16**
